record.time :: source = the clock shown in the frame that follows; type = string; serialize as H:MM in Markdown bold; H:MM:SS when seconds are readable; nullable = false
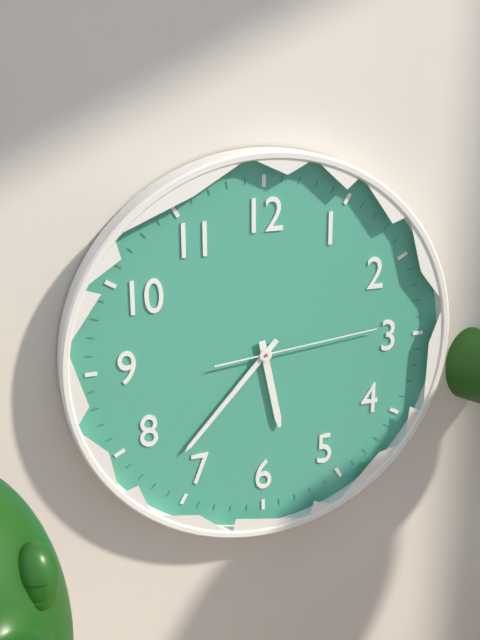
**5:37:14**
